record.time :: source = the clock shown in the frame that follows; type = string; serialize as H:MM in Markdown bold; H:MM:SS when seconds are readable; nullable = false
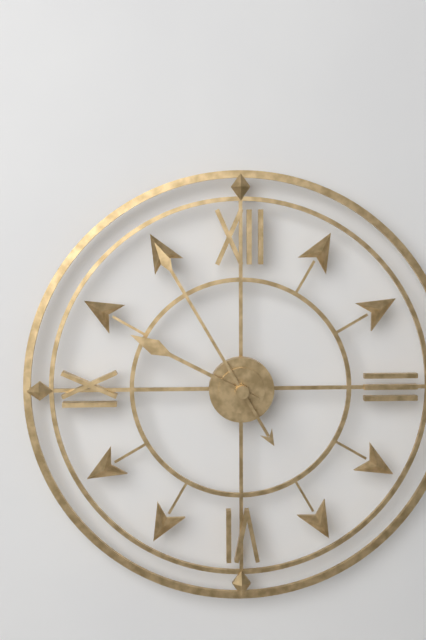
**9:55**
